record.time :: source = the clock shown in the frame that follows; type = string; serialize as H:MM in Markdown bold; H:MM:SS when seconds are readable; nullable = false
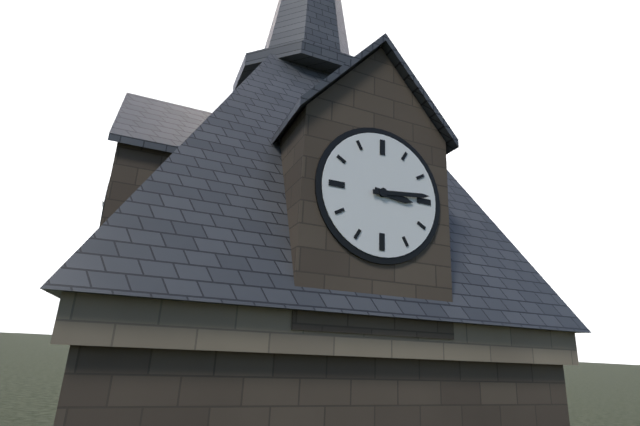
**3:14**
